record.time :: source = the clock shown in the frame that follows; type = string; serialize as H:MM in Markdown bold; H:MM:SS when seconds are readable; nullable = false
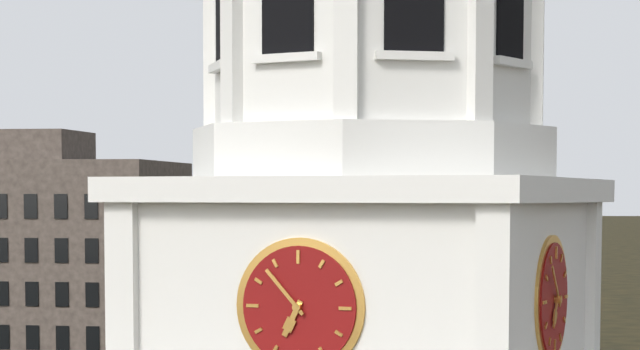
**6:53**
